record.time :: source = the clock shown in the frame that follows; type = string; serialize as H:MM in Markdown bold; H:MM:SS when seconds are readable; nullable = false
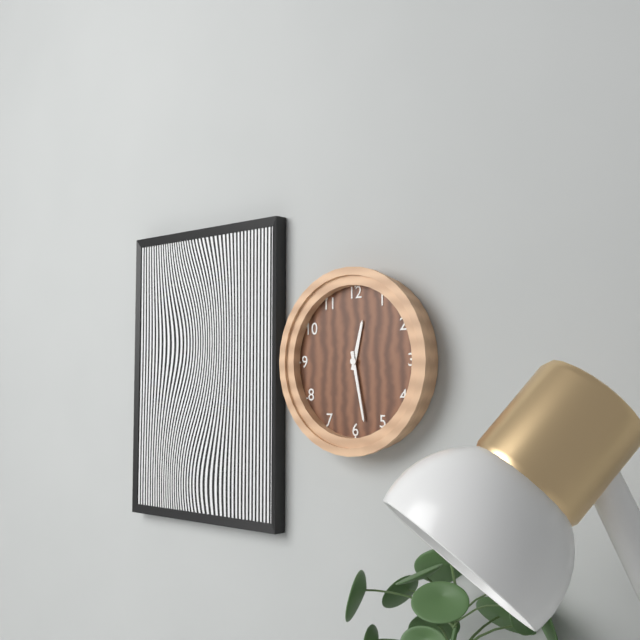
**12:28**
